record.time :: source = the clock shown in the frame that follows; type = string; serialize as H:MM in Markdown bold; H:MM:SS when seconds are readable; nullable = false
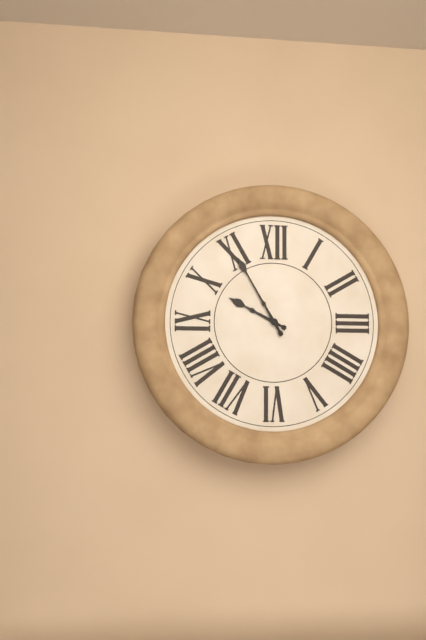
**9:55**
